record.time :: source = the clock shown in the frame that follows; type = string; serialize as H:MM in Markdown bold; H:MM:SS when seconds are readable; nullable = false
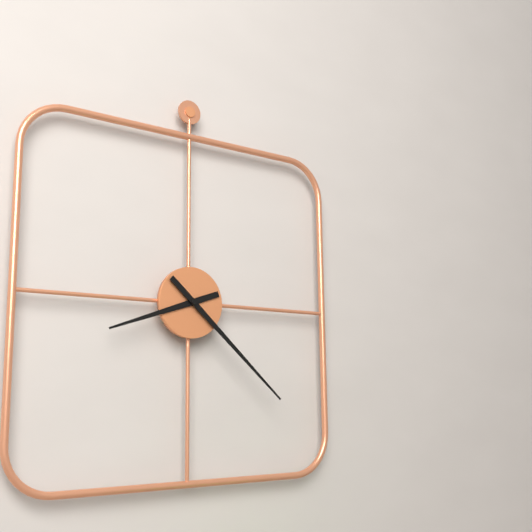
**8:22**
